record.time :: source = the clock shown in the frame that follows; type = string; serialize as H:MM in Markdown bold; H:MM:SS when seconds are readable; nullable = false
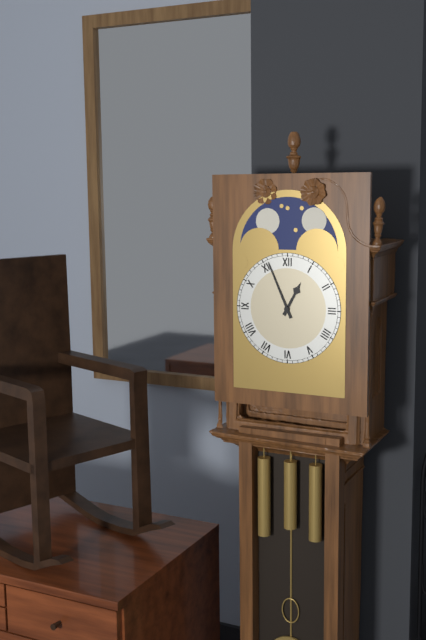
**12:56**
